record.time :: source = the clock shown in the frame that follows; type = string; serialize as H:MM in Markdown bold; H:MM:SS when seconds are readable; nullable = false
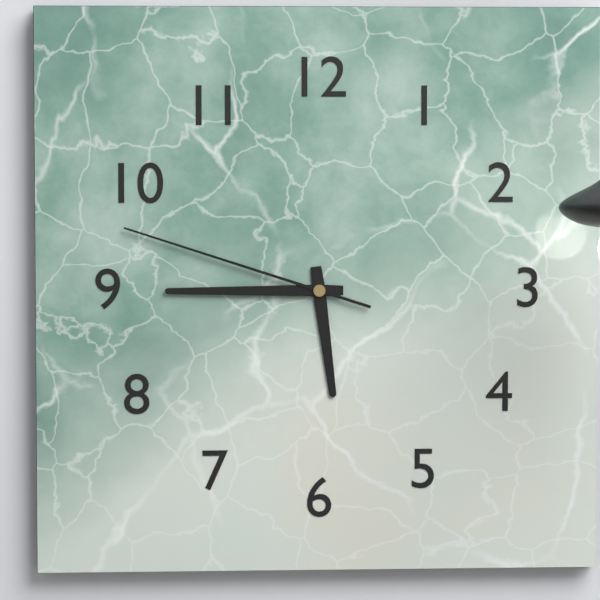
**5:45:48**
